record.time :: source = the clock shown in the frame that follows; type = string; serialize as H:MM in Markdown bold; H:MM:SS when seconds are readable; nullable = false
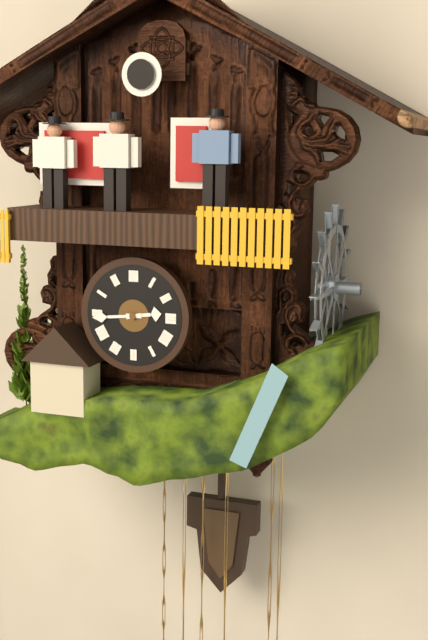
**2:44**
